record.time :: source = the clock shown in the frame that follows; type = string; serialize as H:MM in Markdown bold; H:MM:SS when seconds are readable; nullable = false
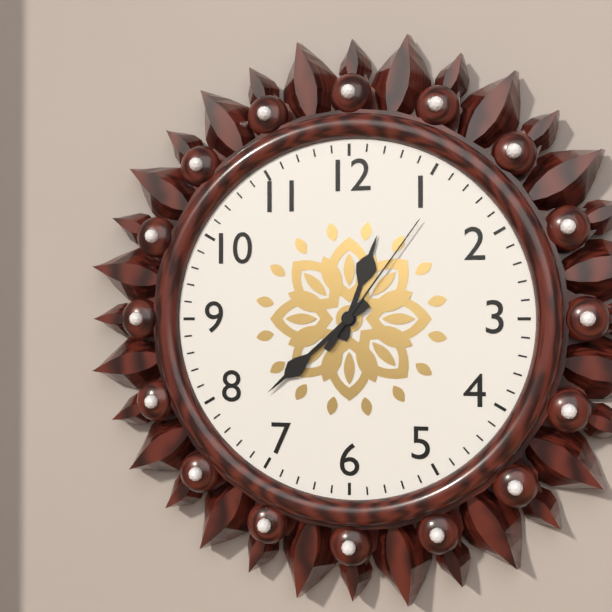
**12:38:06**
